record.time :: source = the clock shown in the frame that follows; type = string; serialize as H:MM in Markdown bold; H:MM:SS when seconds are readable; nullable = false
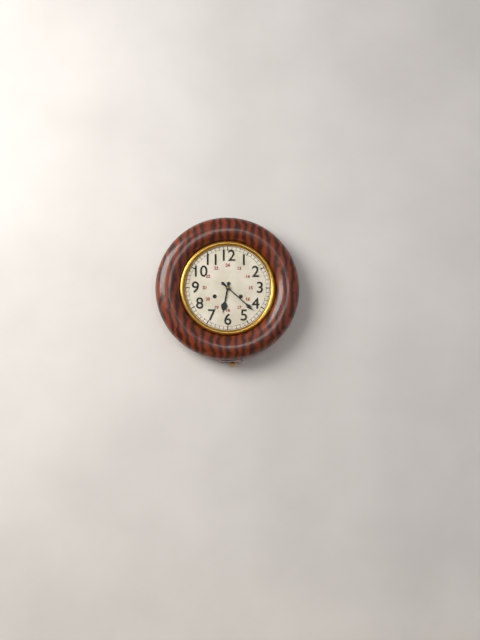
**6:22**
